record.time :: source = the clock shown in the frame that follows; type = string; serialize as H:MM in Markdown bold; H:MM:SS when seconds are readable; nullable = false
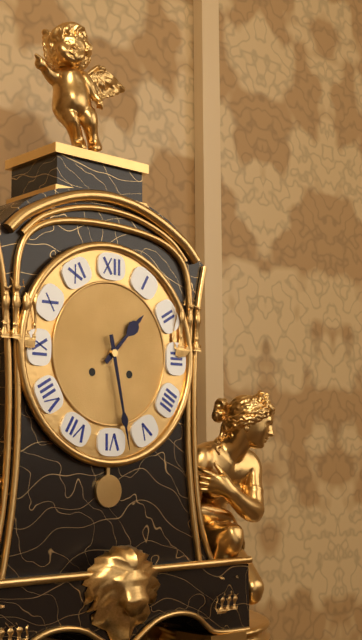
**1:28**
